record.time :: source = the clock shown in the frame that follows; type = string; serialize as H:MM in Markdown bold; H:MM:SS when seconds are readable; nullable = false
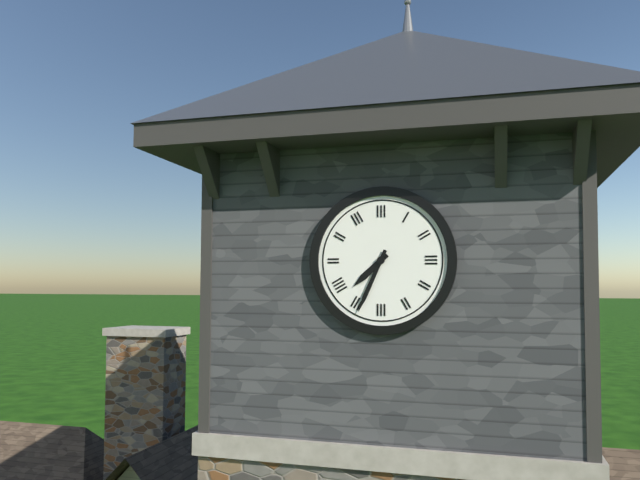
**7:34**
